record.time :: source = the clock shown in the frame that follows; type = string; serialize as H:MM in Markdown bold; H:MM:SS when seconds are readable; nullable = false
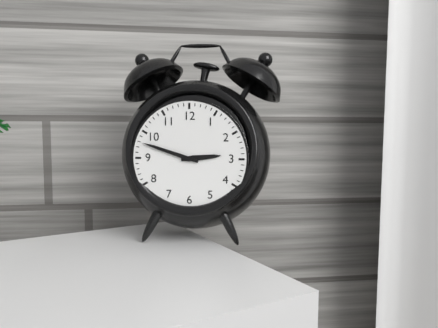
**2:48**
